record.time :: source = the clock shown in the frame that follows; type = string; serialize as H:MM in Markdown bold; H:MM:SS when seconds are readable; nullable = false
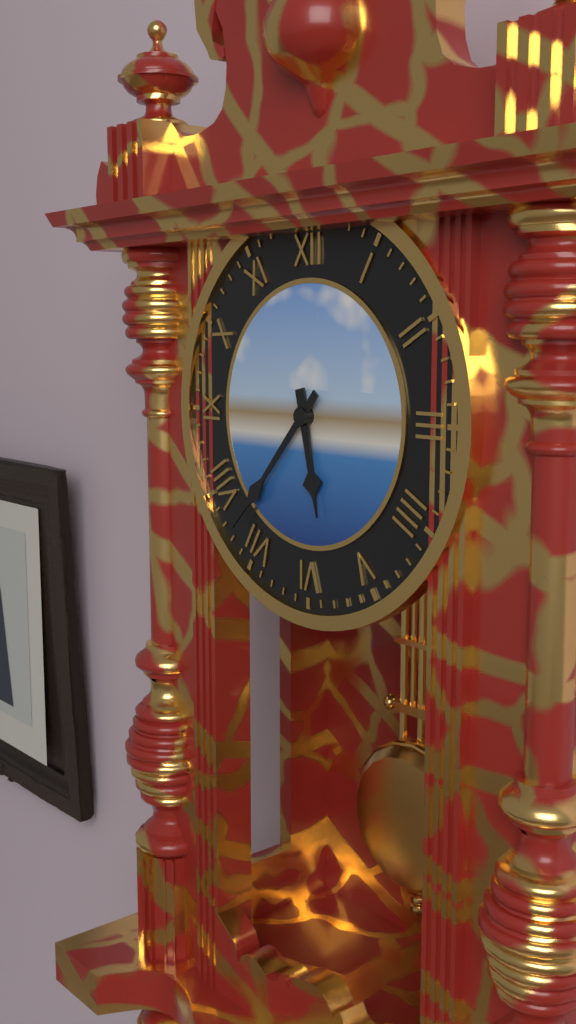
**5:37**
